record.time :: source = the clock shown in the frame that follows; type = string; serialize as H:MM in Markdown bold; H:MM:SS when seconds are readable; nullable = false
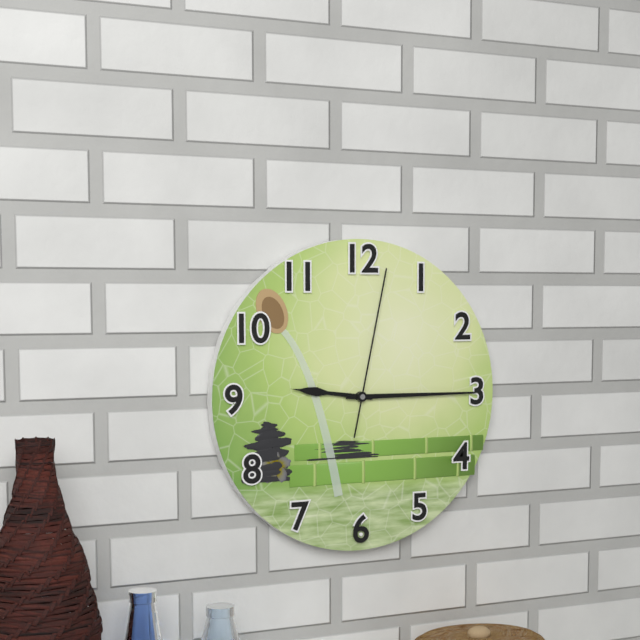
**9:15:02**
